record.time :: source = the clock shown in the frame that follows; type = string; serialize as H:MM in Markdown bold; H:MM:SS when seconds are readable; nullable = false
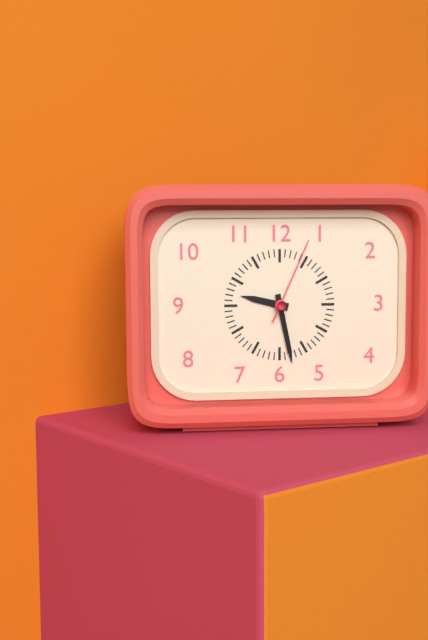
**9:28:04**
